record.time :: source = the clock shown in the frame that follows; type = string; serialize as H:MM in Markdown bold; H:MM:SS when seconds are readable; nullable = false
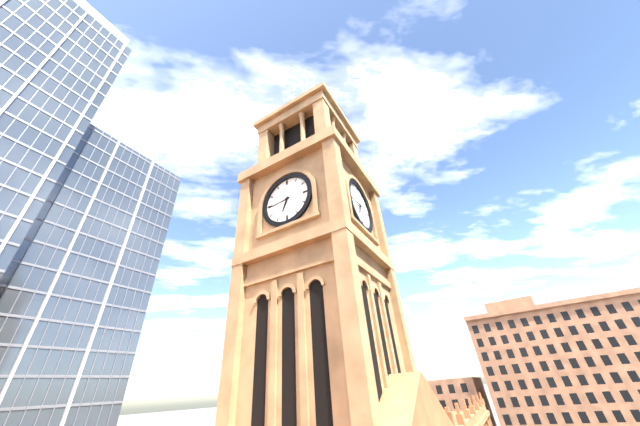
**6:44**
